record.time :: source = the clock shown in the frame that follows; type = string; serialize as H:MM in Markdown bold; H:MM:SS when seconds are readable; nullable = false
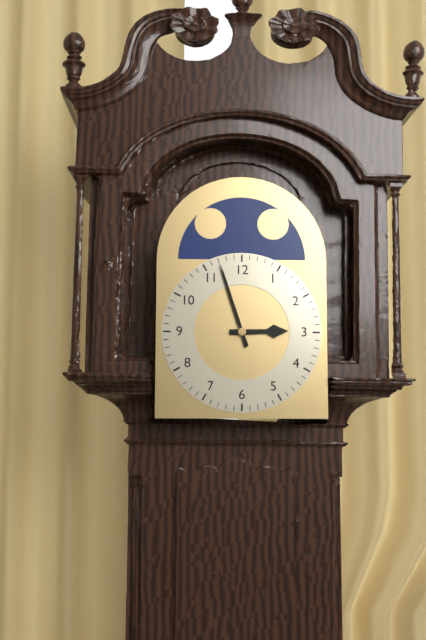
**2:57**
